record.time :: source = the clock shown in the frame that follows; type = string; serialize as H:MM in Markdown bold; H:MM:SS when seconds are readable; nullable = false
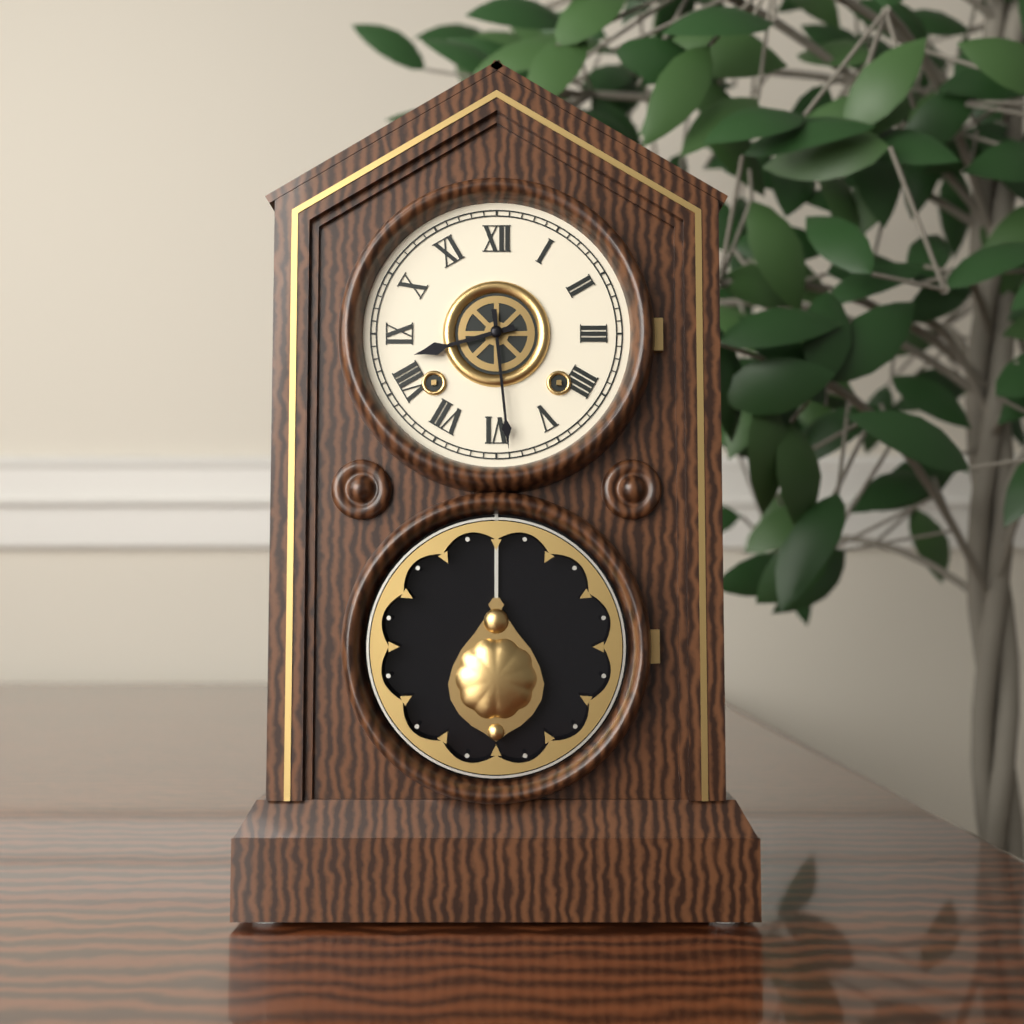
**8:29**
